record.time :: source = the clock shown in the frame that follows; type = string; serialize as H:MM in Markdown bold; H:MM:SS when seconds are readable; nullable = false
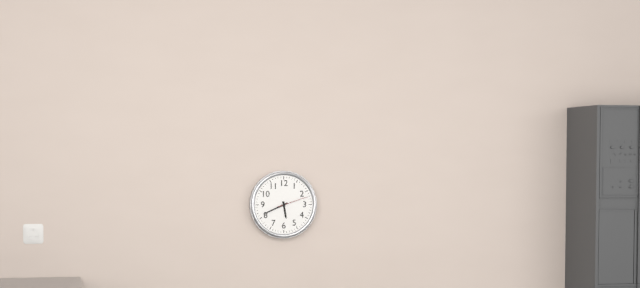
**5:41**
